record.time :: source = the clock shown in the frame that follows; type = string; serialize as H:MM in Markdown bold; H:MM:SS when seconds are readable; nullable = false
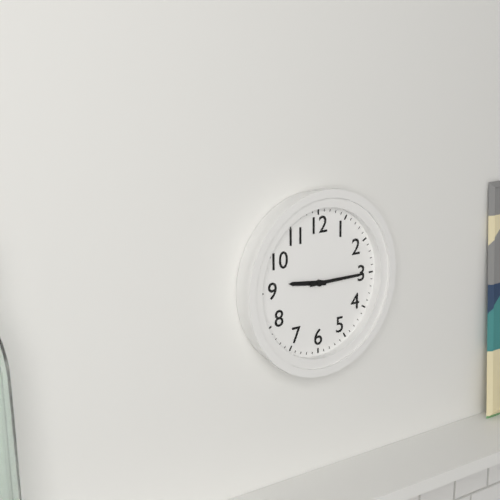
**9:15**
